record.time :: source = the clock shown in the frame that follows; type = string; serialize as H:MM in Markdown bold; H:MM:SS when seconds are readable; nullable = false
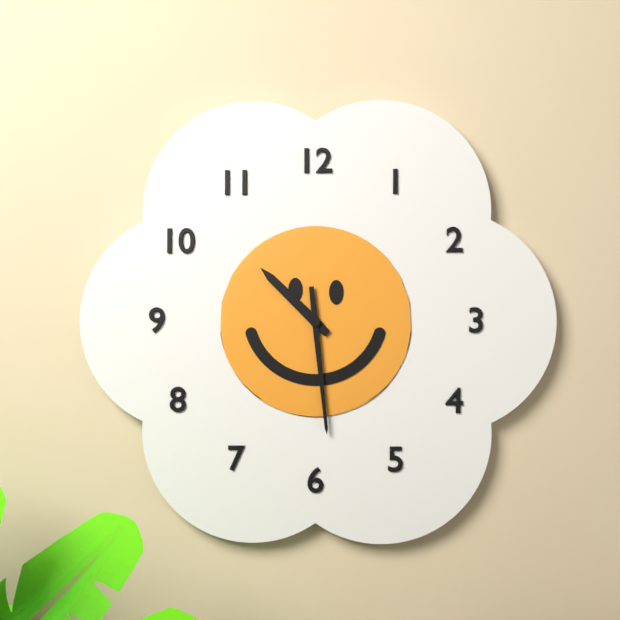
**10:29**
